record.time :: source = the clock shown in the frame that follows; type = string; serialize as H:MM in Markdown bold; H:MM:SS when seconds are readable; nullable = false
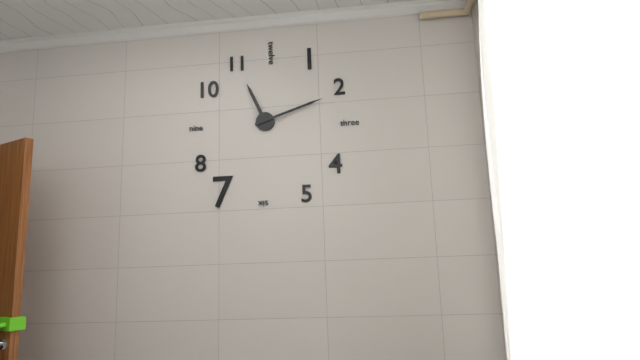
**11:12**
